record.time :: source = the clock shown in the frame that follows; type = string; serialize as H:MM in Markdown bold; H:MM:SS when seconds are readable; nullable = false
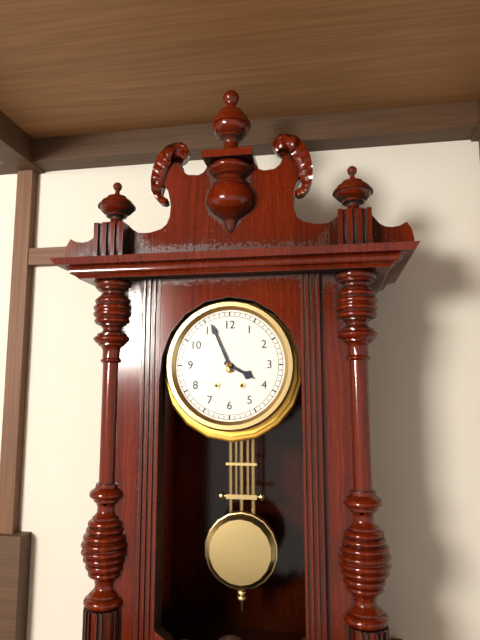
**3:56**
